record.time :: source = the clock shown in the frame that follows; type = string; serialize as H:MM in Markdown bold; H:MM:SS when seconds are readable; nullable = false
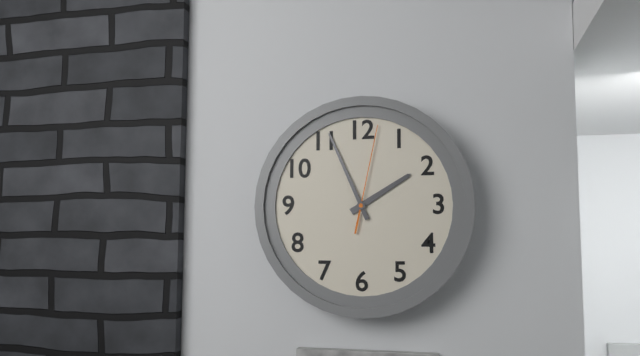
**1:56:02**
